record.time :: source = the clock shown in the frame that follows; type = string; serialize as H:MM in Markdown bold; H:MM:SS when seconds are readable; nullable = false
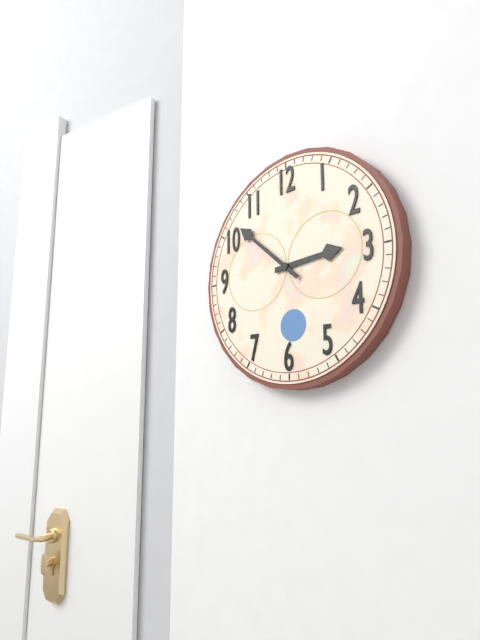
**2:52**
